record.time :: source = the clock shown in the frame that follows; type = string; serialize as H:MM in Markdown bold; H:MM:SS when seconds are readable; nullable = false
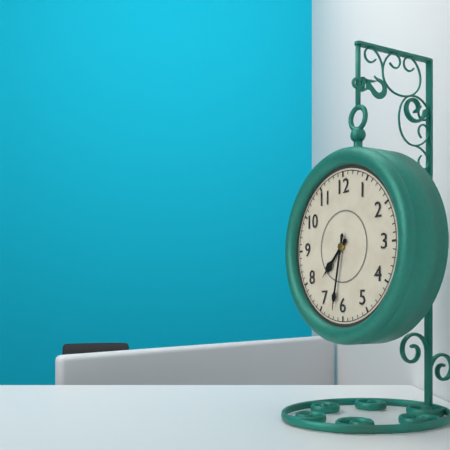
**7:32**
